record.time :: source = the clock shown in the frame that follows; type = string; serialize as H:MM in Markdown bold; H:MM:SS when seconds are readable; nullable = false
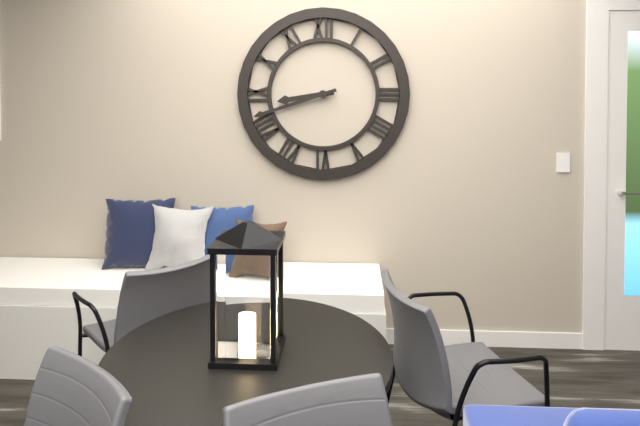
**8:42**
